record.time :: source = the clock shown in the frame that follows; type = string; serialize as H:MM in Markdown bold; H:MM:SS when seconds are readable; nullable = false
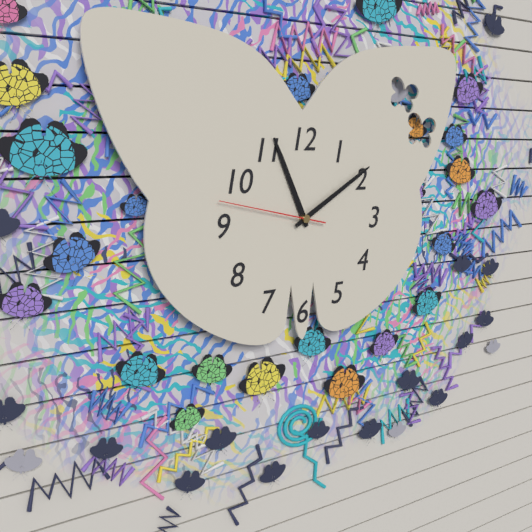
**11:10:47**
